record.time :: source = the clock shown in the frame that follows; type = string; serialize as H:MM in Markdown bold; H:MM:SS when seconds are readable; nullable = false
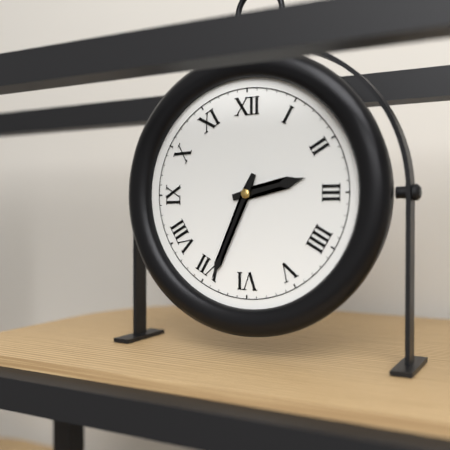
**2:34**
